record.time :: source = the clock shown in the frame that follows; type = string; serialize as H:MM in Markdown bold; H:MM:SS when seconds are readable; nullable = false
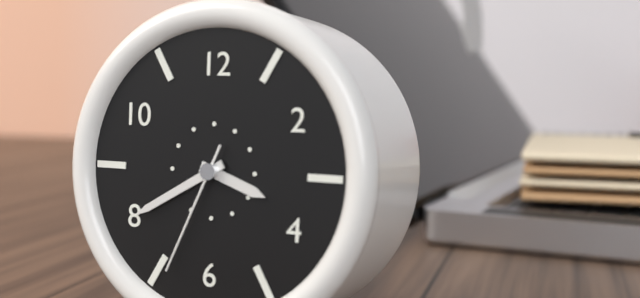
**3:40:34**
